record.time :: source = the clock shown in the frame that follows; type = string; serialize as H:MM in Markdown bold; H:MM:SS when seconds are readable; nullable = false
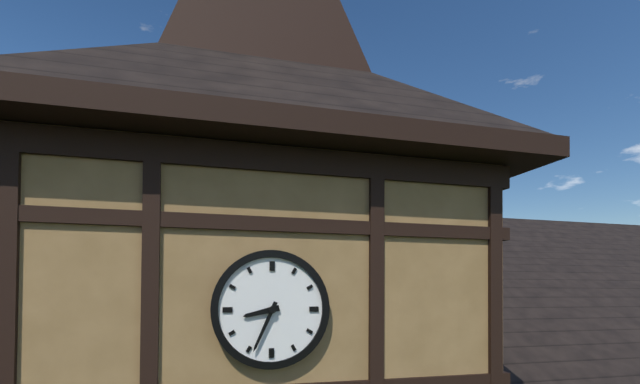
**8:34**
